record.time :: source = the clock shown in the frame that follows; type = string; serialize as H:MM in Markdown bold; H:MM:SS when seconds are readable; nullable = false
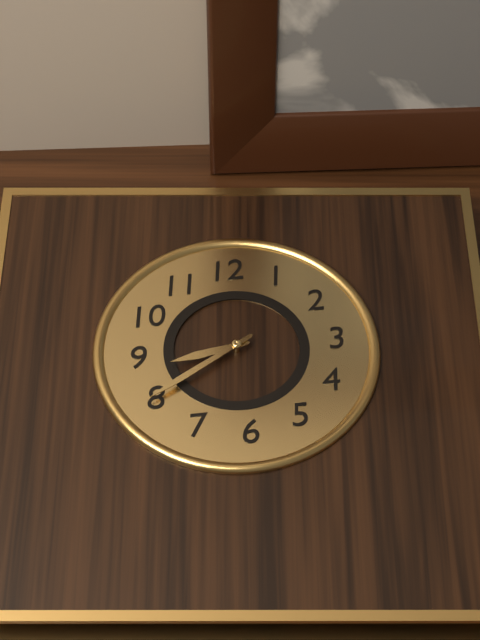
**8:40**
